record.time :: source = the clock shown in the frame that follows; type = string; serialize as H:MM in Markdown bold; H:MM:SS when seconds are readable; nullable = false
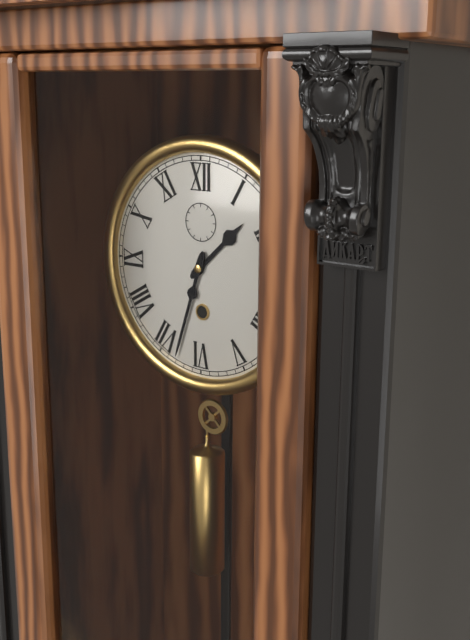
**1:33**
